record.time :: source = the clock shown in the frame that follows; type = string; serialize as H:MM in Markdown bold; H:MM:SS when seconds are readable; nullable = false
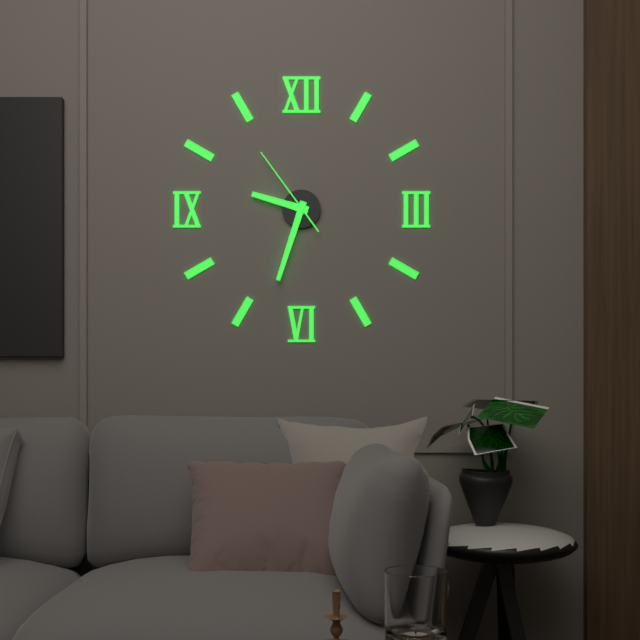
**9:33:54**
